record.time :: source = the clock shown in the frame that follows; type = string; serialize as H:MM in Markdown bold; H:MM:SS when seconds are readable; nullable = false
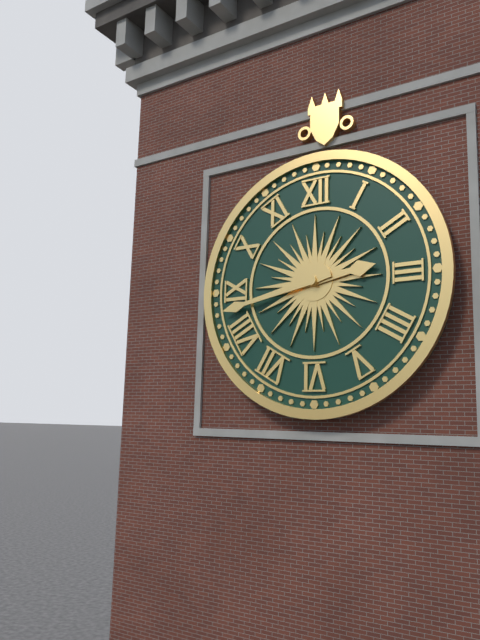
**2:43**
